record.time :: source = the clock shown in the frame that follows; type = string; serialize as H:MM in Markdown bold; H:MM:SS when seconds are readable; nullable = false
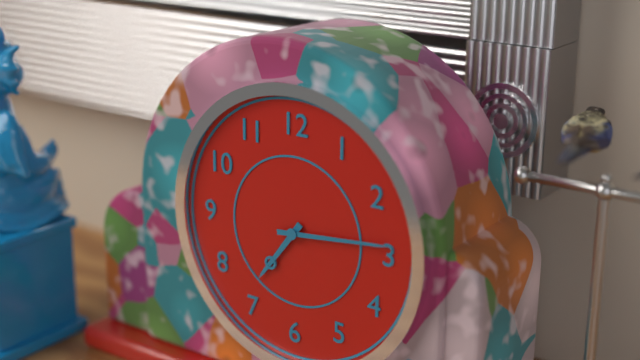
**7:14**
